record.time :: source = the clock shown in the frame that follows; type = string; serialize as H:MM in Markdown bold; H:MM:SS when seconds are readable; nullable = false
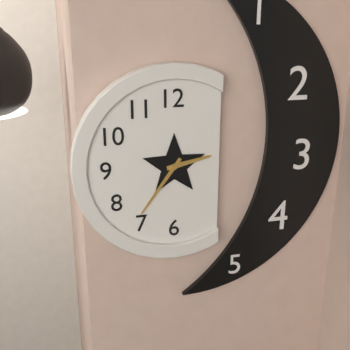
**2:36**
